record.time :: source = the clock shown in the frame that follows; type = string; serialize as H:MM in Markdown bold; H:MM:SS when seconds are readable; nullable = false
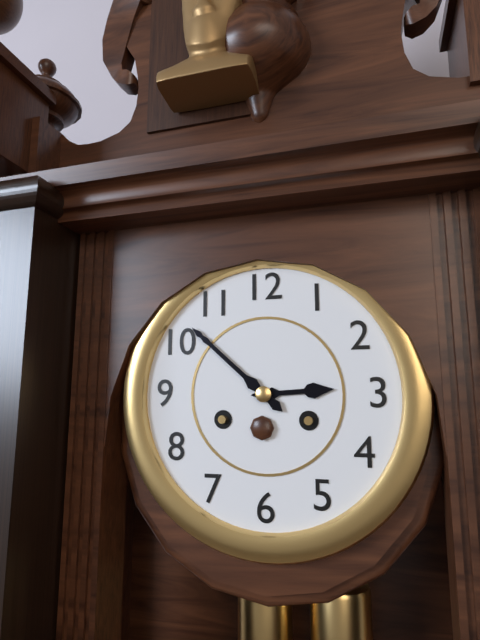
**2:52**
